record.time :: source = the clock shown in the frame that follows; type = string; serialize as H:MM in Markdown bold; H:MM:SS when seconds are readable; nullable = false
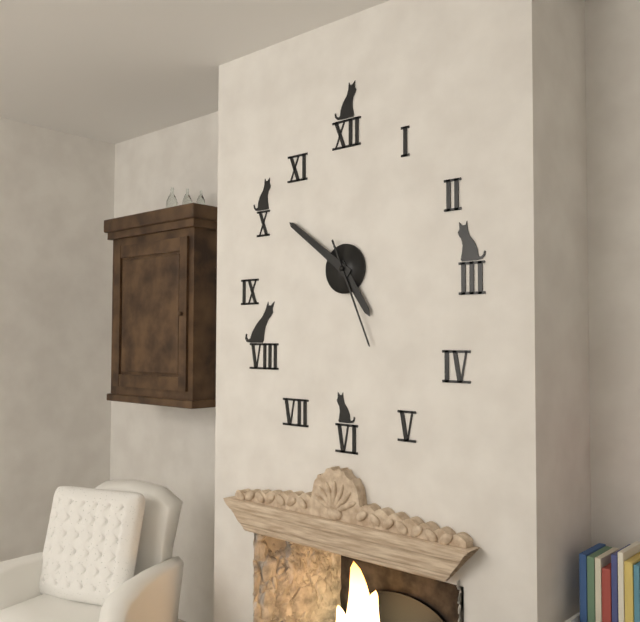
**4:51:26**
